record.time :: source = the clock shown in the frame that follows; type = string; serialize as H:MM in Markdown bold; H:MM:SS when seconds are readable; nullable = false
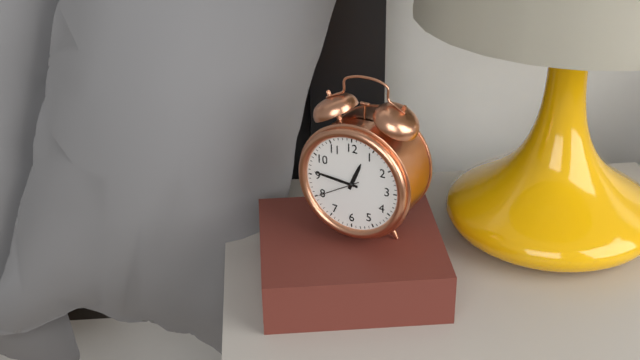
**12:46**
